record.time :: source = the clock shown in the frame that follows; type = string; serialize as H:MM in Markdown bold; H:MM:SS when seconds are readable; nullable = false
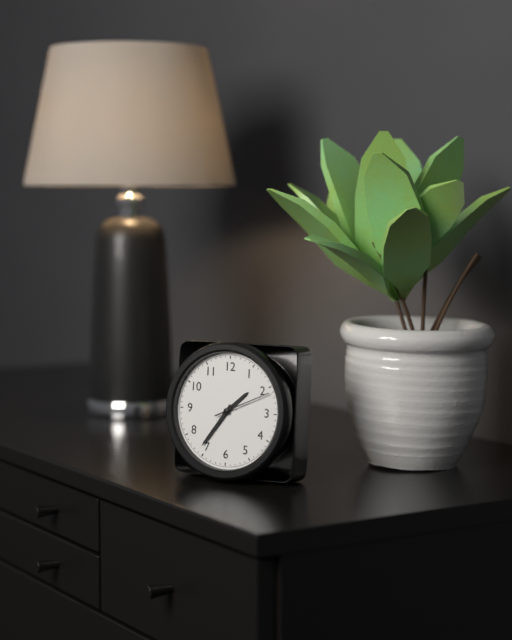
**1:36**
